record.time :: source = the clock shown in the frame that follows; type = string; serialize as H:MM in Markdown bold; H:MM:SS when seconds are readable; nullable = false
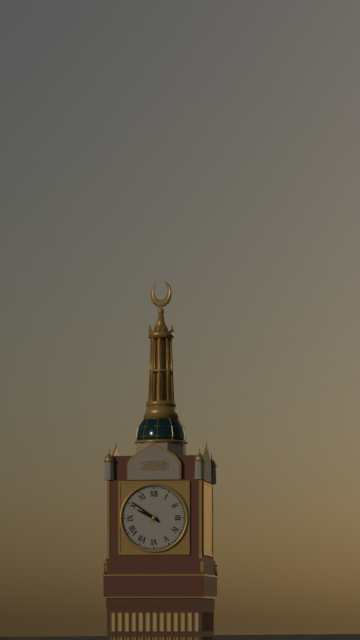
**9:51**
